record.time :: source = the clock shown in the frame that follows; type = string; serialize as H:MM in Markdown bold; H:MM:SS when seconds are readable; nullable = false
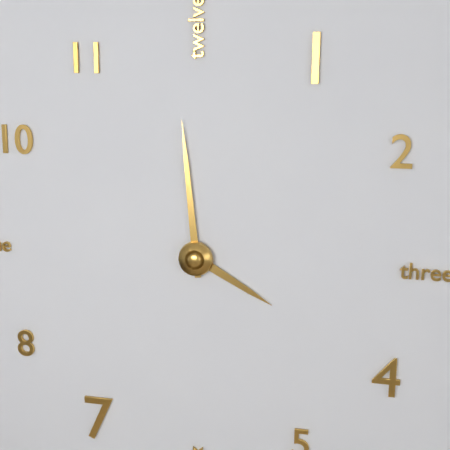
**3:59**
